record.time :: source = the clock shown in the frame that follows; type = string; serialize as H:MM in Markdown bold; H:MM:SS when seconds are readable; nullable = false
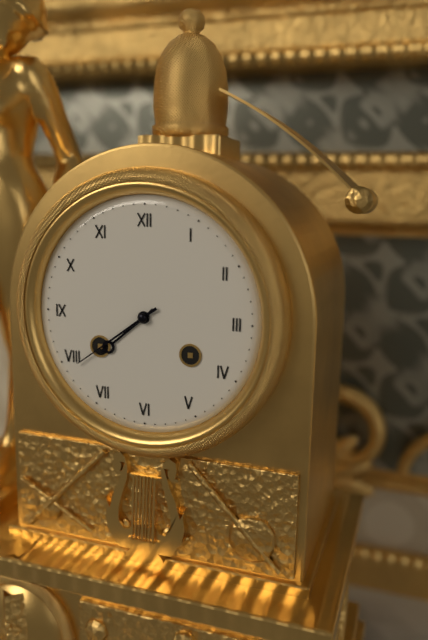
**7:39**
